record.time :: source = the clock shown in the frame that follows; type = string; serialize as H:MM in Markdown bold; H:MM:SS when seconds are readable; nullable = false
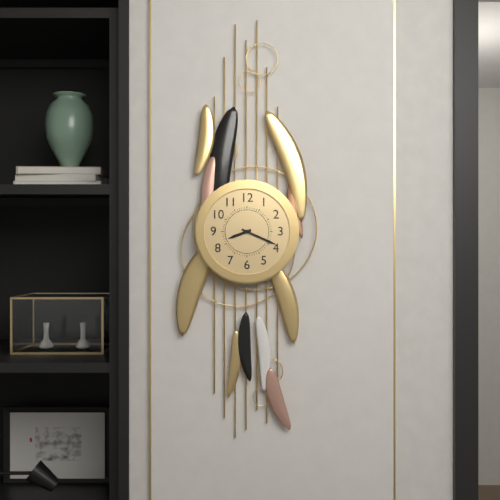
**8:19**
